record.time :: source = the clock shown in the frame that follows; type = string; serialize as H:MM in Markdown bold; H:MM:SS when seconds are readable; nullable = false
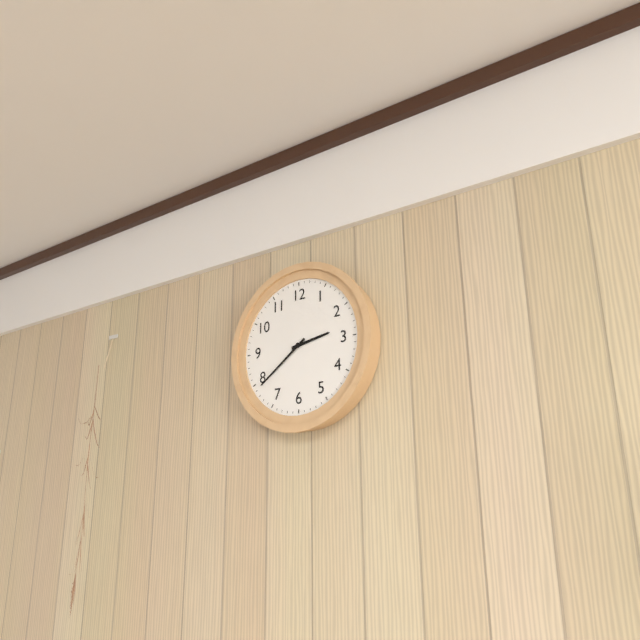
**2:39**
